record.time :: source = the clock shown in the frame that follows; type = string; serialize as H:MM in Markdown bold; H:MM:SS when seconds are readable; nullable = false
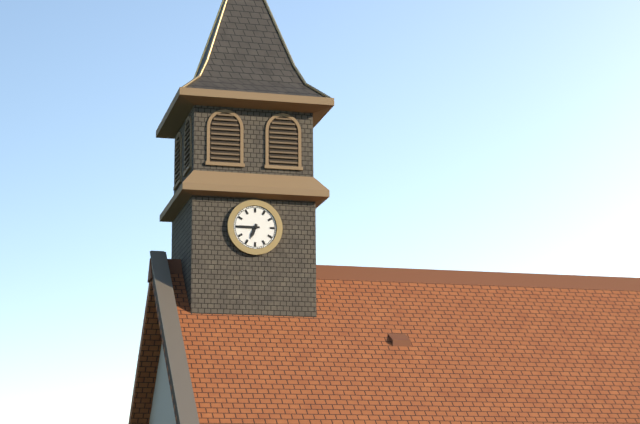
**6:45**
